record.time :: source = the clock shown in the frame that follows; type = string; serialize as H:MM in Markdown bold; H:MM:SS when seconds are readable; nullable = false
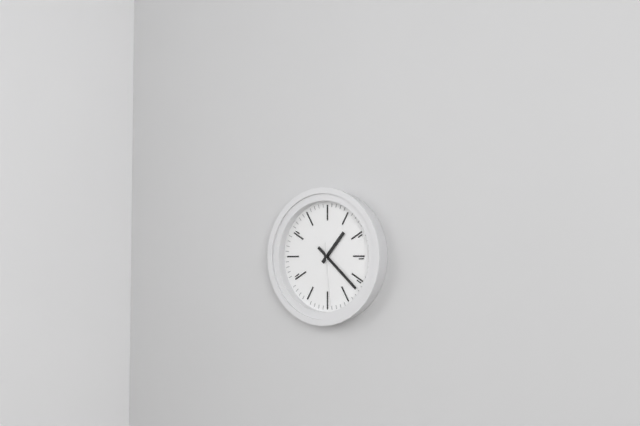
**1:22:29**
